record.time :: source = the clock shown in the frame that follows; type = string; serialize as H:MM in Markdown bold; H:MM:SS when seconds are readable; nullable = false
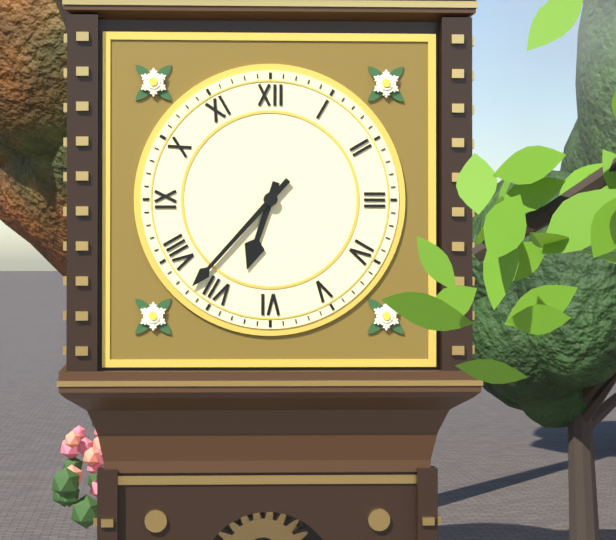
**6:37**
